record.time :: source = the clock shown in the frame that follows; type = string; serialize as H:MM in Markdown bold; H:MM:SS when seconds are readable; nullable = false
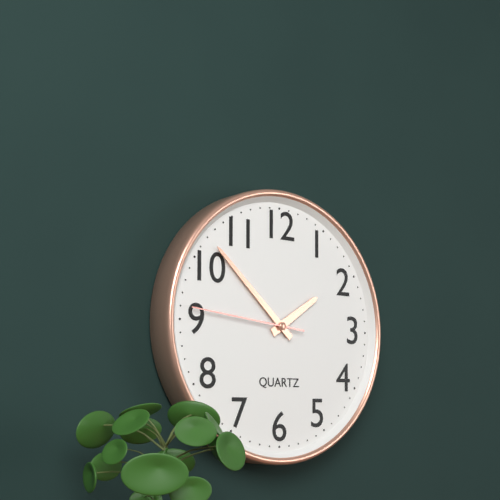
**1:52:46**
